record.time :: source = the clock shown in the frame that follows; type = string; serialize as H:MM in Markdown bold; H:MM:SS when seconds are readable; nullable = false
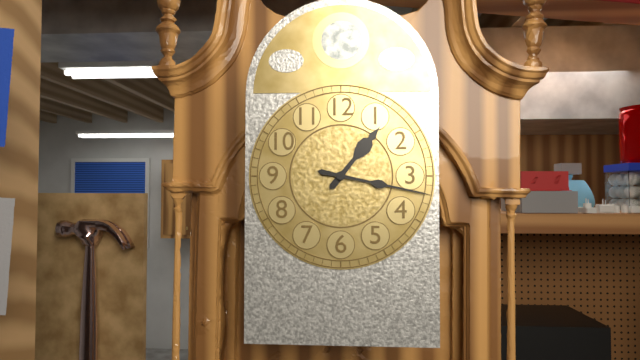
**1:17**
